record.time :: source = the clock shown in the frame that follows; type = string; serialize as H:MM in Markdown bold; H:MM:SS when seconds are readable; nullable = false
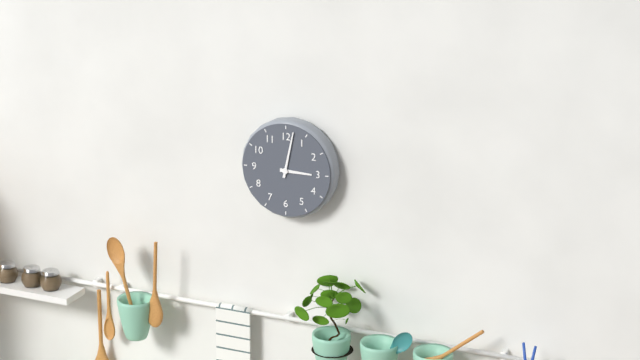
**3:02**
